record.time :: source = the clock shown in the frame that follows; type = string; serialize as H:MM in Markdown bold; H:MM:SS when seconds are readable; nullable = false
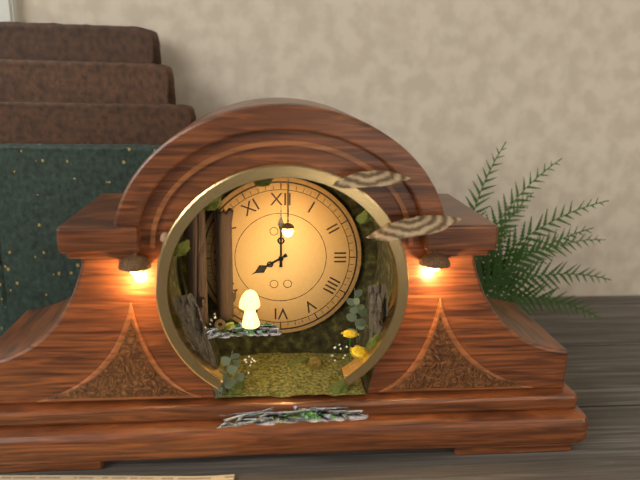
**8:00**
